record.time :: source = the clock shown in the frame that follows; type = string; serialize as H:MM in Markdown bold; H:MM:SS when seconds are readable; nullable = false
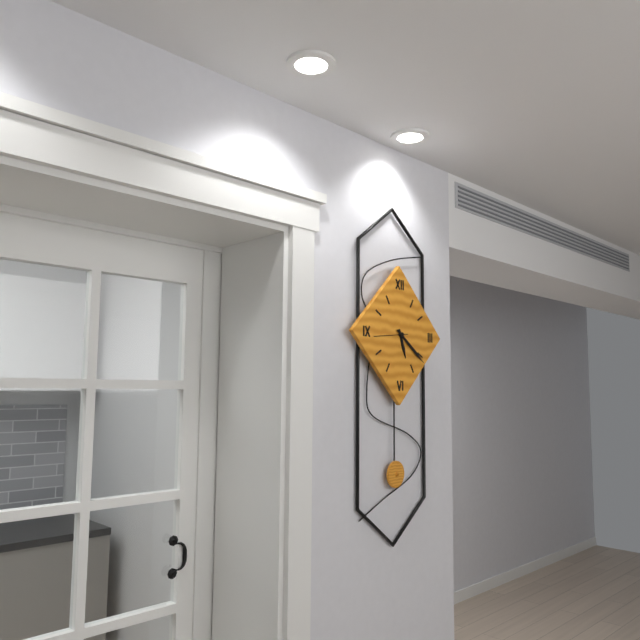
**5:21**
